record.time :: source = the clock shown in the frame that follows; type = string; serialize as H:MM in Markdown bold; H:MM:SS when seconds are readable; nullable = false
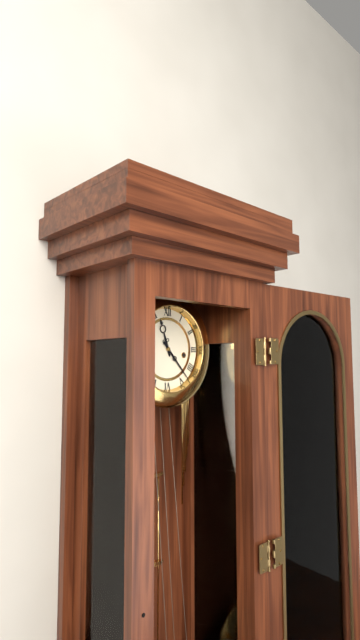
**11:23**
